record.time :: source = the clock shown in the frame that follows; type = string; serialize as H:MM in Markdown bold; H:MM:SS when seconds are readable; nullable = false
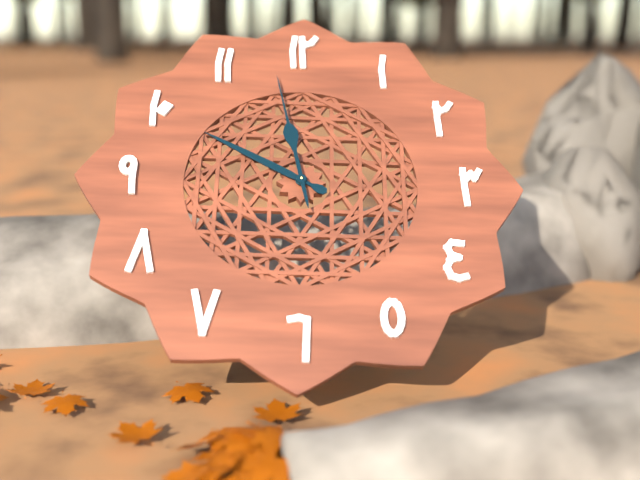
**9:58**
